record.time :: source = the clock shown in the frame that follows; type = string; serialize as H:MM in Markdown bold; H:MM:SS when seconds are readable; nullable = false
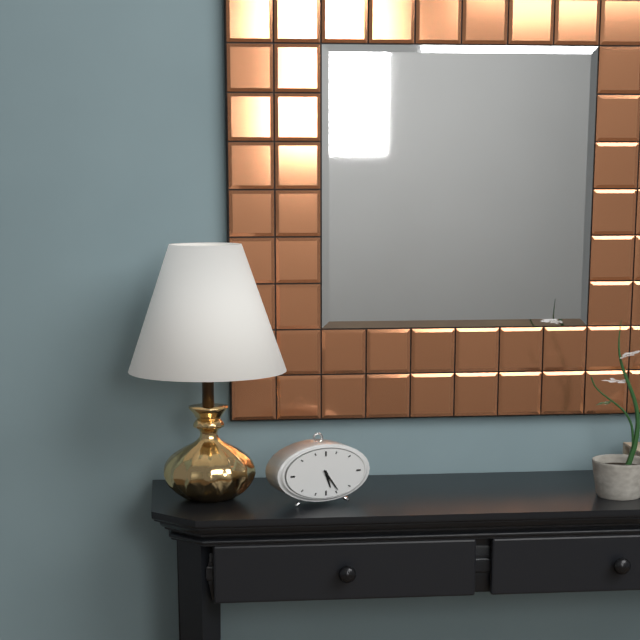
**5:24**
